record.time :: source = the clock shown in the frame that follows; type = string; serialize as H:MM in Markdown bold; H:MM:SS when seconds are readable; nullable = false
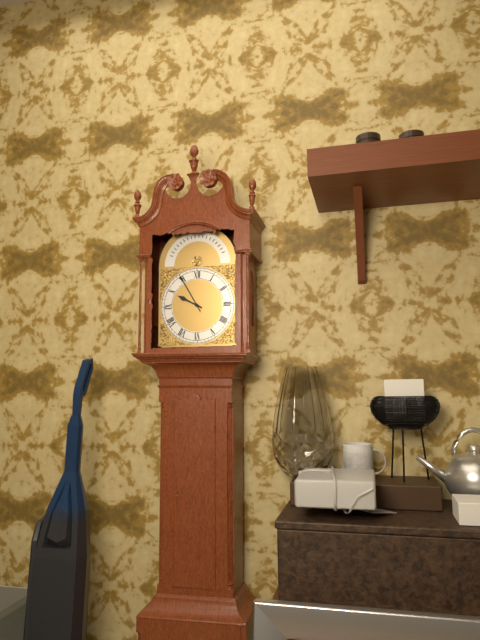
**9:55**
